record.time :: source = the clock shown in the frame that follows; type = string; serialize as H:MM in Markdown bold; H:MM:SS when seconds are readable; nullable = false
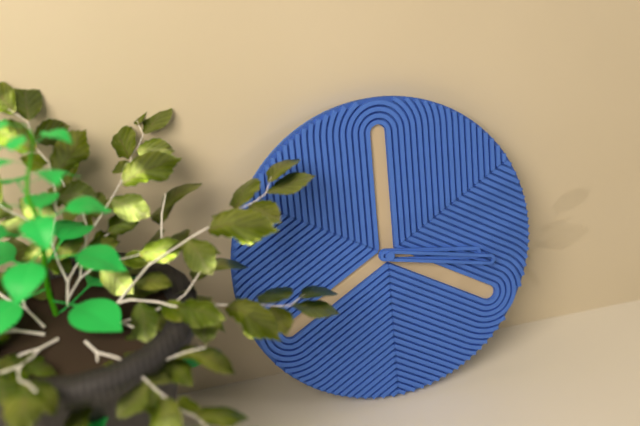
**3:17**
